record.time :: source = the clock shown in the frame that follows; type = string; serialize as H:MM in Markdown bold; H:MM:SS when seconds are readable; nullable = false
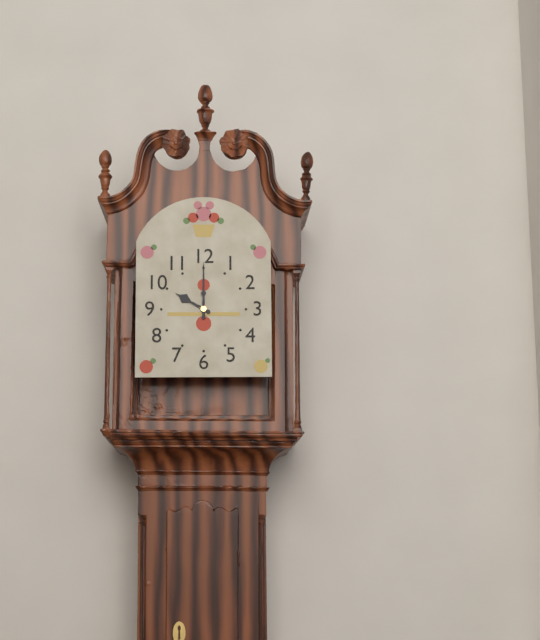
**10:00**
